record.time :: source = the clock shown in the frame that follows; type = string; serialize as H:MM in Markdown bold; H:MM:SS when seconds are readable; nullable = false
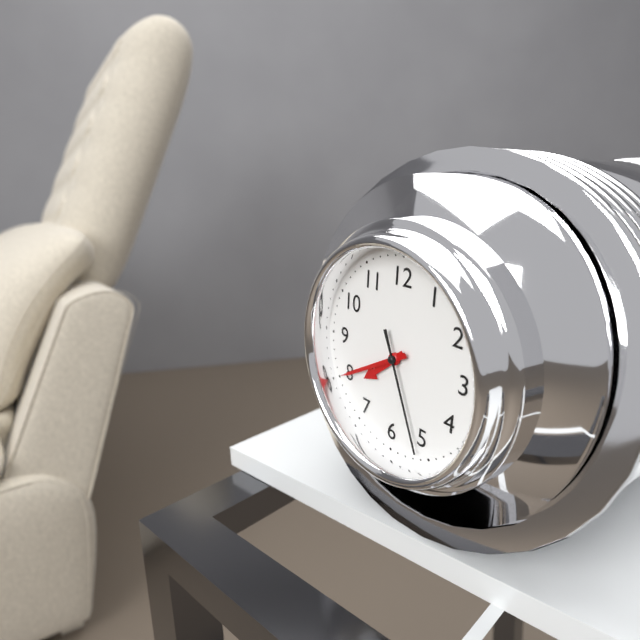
**7:40:26**
